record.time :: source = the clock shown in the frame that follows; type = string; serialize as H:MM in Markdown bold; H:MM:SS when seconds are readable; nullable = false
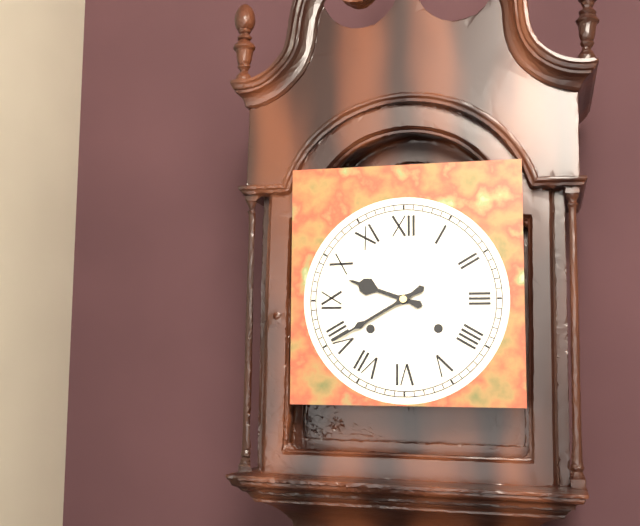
**9:40**
